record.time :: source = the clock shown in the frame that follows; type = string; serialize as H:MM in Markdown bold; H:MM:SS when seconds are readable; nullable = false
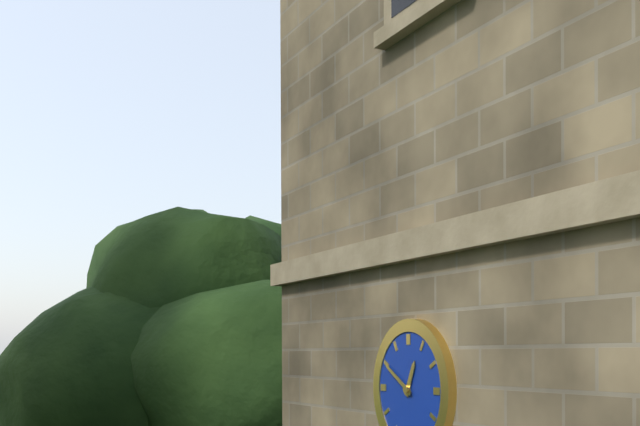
**12:50**
